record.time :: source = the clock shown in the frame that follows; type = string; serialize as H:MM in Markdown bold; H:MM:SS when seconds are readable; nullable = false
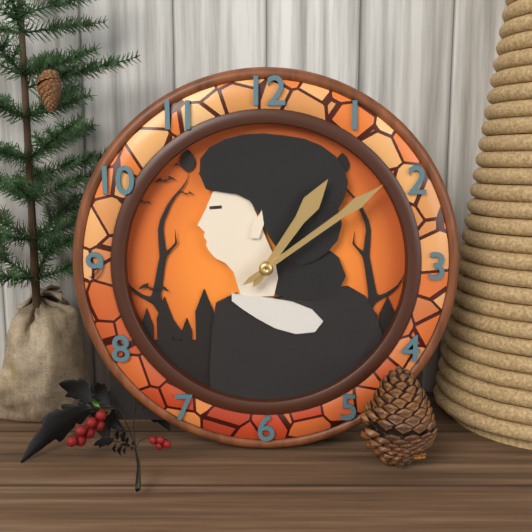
**1:09**
